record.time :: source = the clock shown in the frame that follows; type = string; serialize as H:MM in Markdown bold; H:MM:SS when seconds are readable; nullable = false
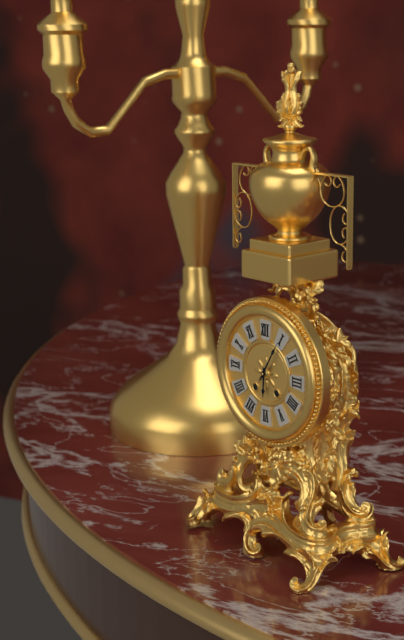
**6:05**
